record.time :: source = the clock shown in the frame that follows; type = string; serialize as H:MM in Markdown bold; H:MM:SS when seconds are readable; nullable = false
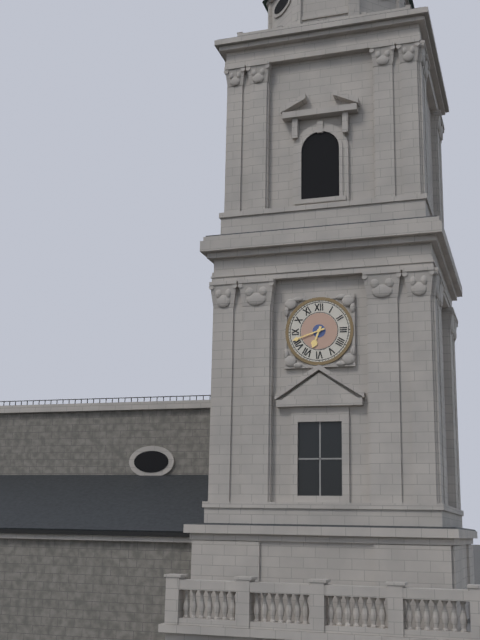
**6:42**
